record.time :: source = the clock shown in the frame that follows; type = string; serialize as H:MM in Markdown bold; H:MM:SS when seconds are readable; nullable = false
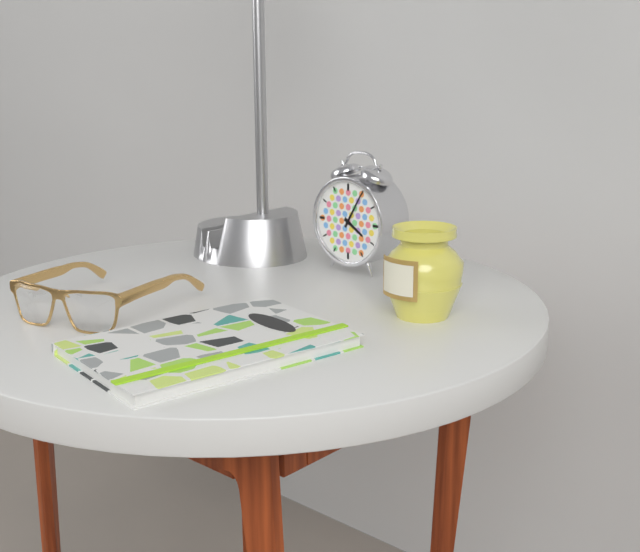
**4:05**
